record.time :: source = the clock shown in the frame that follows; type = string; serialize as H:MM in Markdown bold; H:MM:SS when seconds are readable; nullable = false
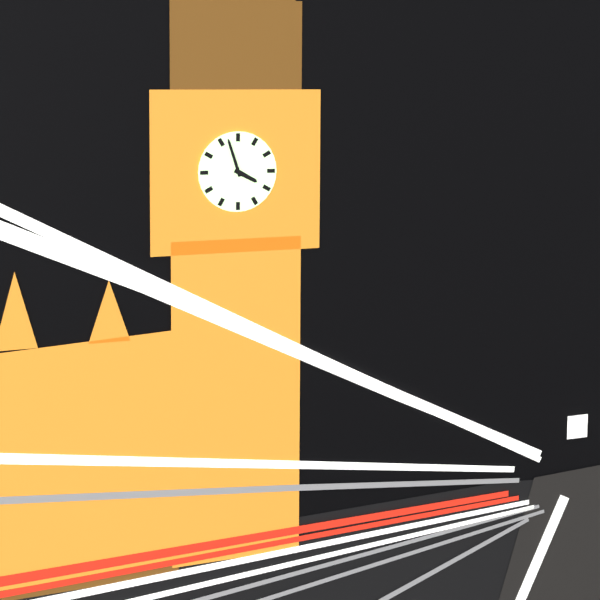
**3:57**
